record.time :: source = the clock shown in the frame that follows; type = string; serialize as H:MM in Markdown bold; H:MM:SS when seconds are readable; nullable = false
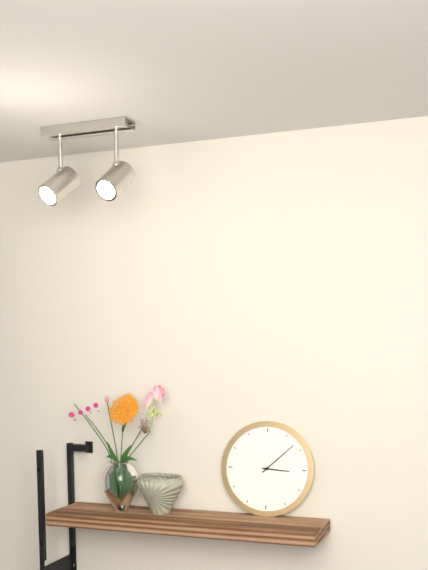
**3:08**
